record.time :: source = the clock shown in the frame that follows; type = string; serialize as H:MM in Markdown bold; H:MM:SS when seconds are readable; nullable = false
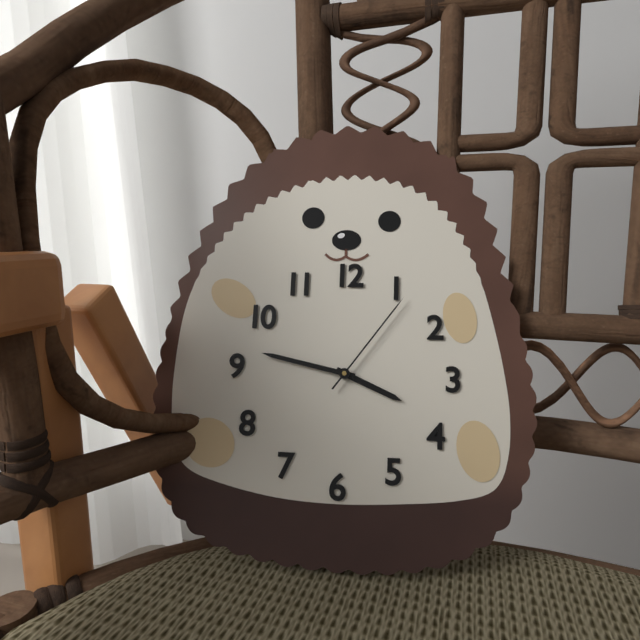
**3:47:06**
